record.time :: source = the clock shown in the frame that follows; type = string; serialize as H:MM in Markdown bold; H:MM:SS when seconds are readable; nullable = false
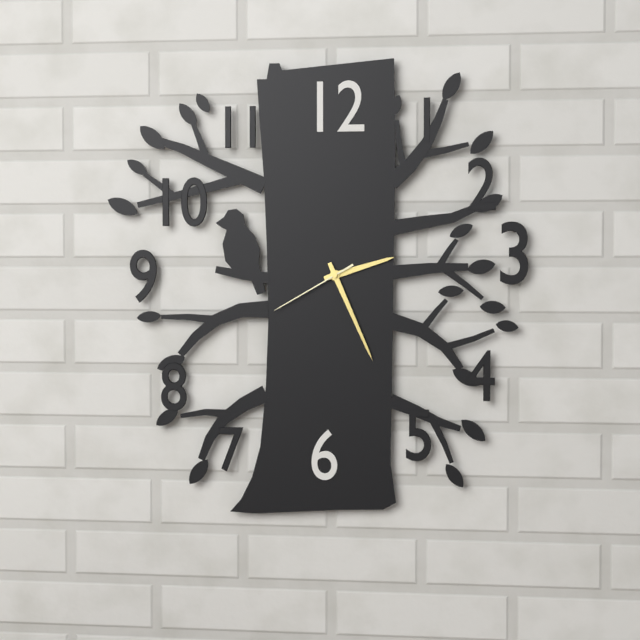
**2:26:40**
